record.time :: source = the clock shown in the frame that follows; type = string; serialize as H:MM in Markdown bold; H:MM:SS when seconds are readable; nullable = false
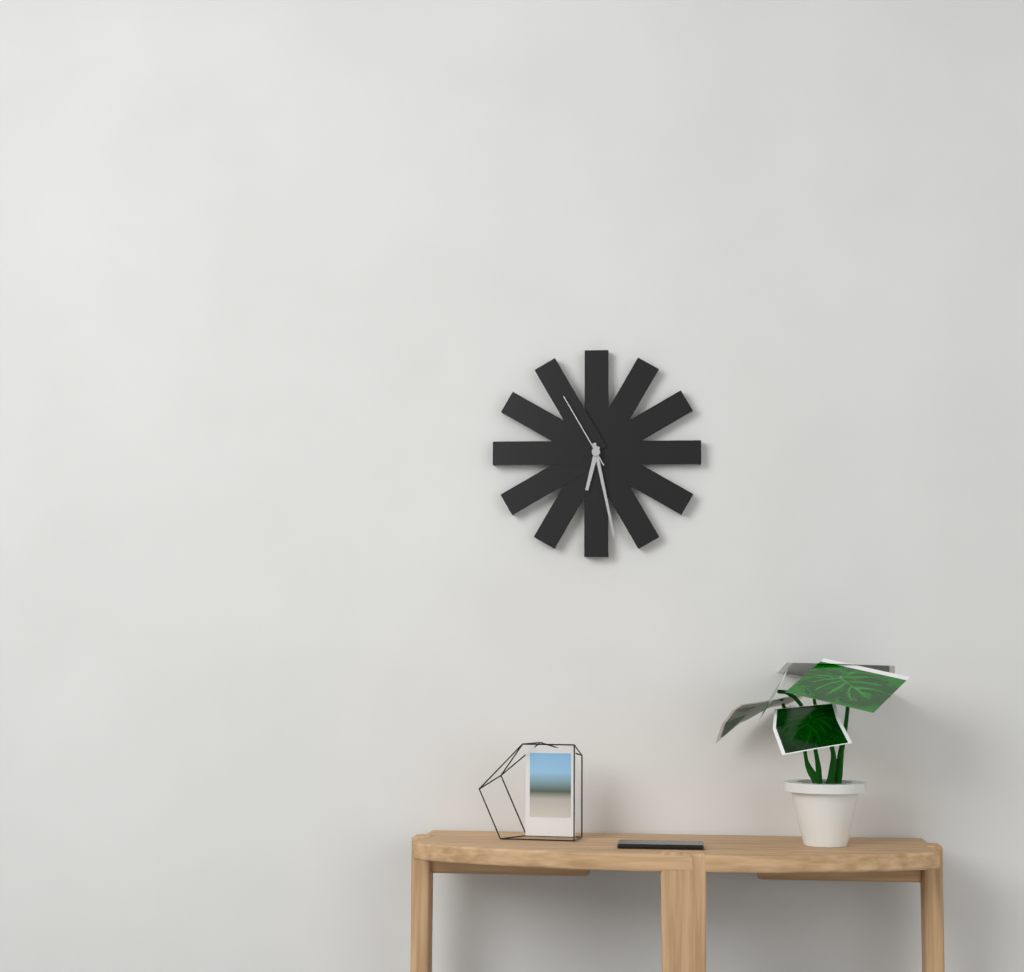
**6:28:55**
